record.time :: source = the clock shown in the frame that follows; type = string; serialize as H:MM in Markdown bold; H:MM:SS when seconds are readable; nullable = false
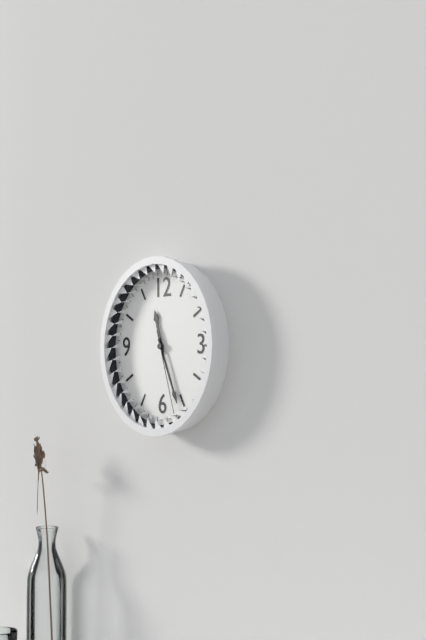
**11:26:27**
